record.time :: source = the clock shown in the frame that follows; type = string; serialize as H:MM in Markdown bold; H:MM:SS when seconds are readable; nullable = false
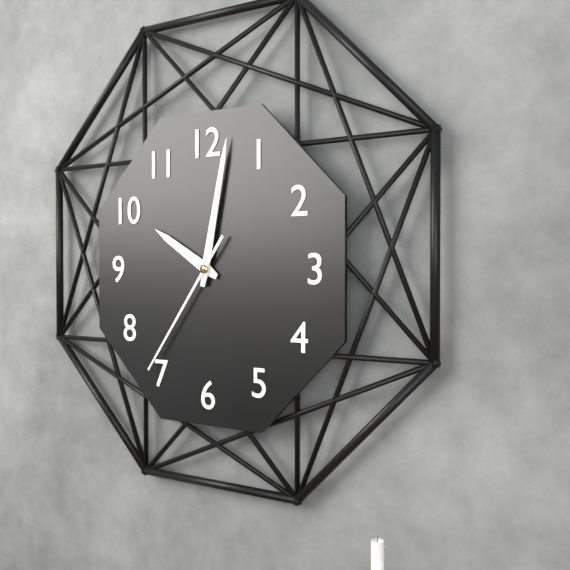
**10:02:36**
